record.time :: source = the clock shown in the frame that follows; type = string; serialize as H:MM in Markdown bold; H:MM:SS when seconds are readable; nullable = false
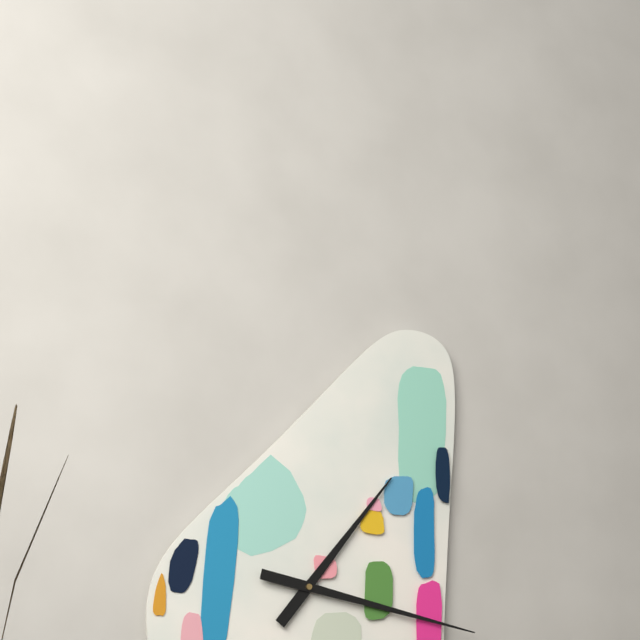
**1:17**
